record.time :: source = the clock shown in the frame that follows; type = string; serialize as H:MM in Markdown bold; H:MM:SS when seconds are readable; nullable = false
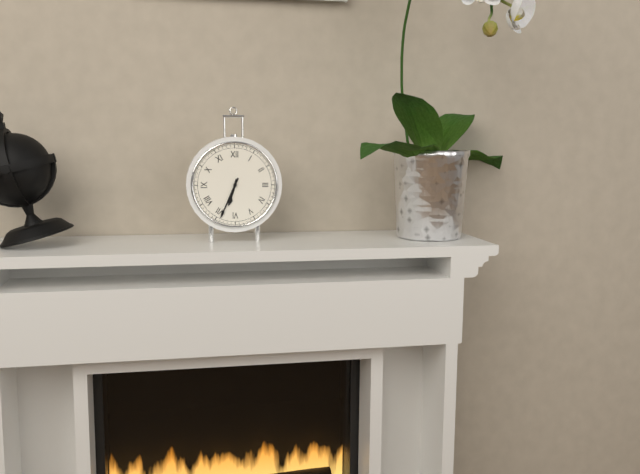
**6:34**
